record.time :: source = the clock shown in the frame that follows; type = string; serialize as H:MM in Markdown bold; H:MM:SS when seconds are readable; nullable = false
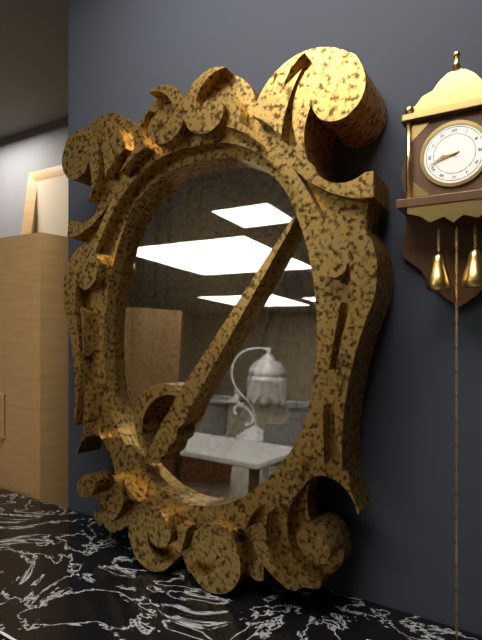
**8:42**
